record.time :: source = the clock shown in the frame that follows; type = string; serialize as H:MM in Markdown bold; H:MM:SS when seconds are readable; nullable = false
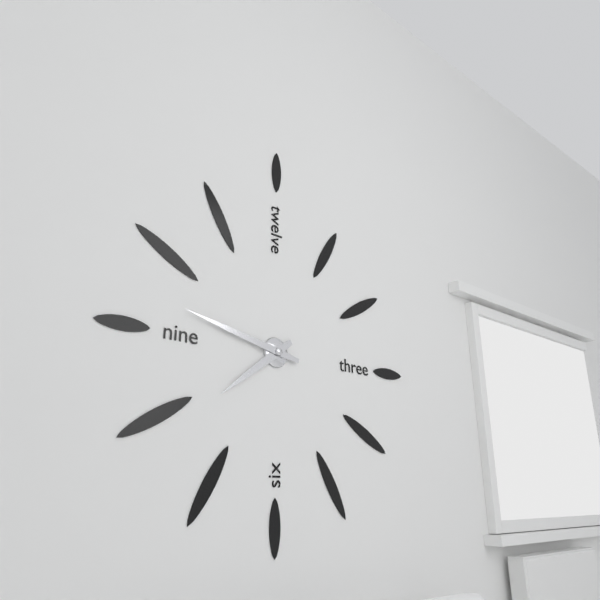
**7:47**
